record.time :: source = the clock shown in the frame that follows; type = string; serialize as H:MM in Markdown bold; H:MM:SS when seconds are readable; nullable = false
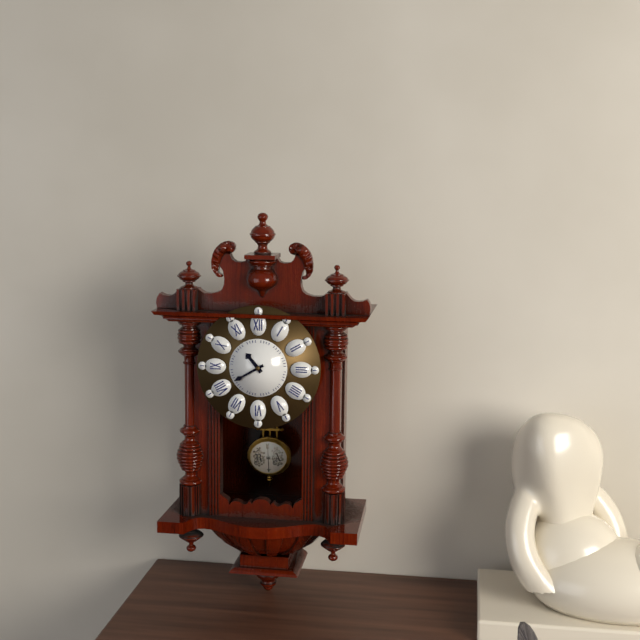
**10:40**
